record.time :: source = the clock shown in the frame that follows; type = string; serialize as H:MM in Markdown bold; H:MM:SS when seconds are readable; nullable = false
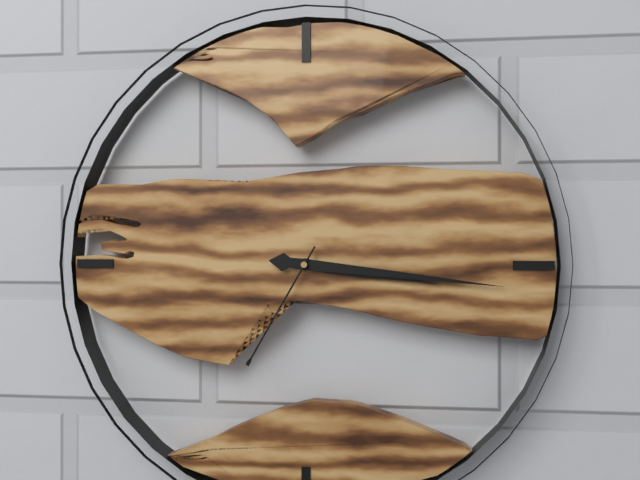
**3:16:35**
